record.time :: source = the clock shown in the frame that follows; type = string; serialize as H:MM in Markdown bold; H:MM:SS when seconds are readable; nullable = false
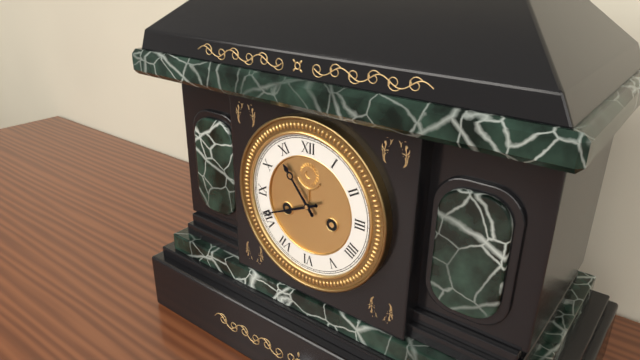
**10:41**
